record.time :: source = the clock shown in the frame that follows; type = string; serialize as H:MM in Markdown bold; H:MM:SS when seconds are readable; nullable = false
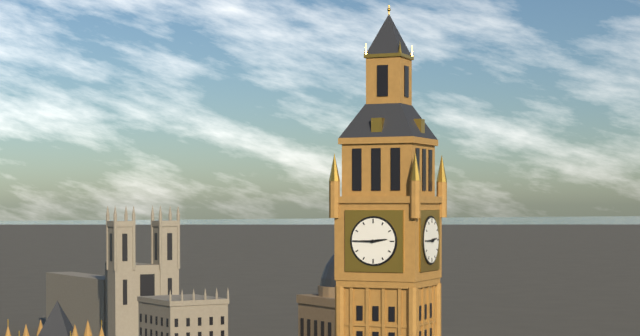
**2:45**
